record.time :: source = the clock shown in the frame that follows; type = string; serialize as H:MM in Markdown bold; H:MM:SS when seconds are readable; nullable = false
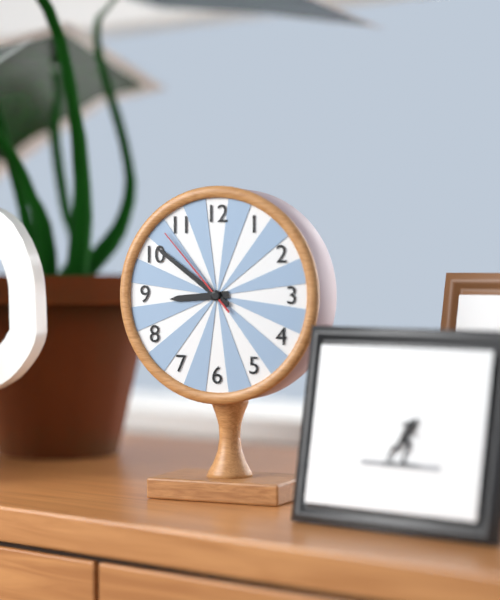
**8:51:53**
